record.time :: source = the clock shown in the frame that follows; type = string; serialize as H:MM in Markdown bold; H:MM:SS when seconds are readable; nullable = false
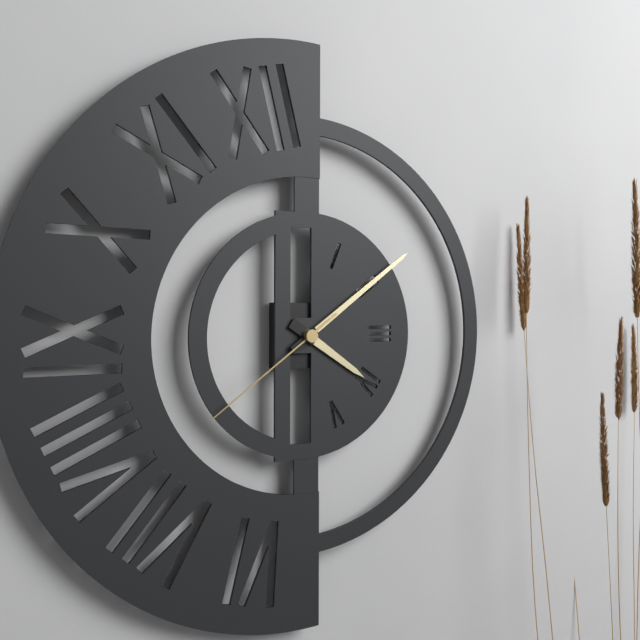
**4:09:39**
